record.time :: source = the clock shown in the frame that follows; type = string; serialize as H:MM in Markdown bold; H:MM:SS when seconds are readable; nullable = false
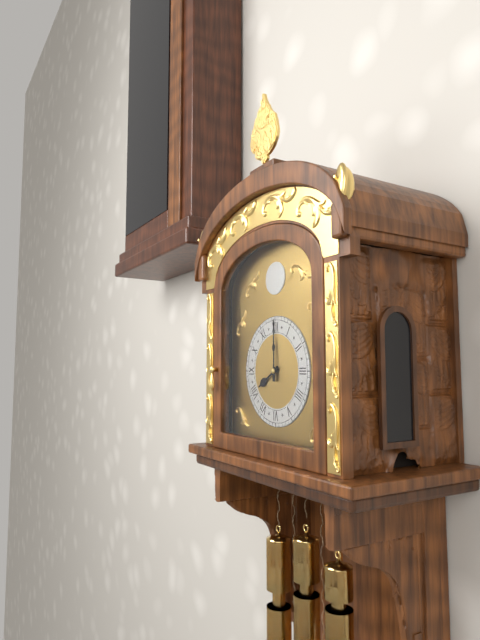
**8:00**
